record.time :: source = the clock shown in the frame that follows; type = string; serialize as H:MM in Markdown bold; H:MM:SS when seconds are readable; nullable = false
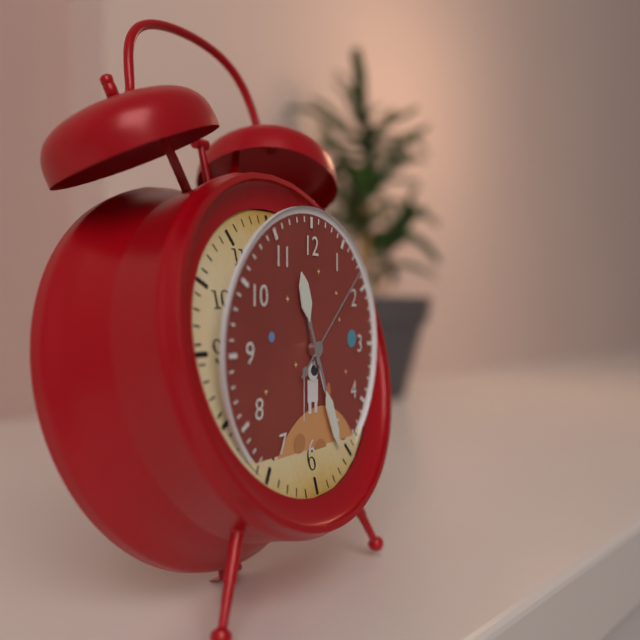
**11:26:08**
